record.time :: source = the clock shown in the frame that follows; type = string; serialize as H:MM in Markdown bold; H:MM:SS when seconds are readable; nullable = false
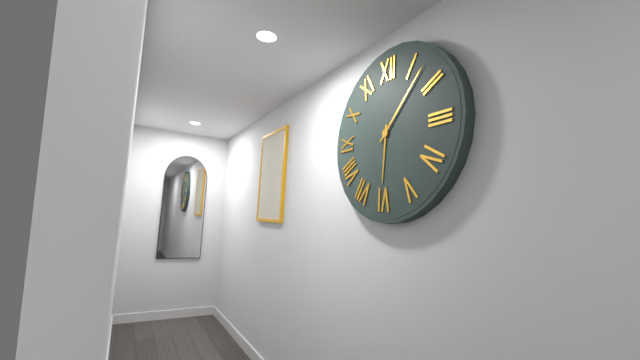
**6:07**
